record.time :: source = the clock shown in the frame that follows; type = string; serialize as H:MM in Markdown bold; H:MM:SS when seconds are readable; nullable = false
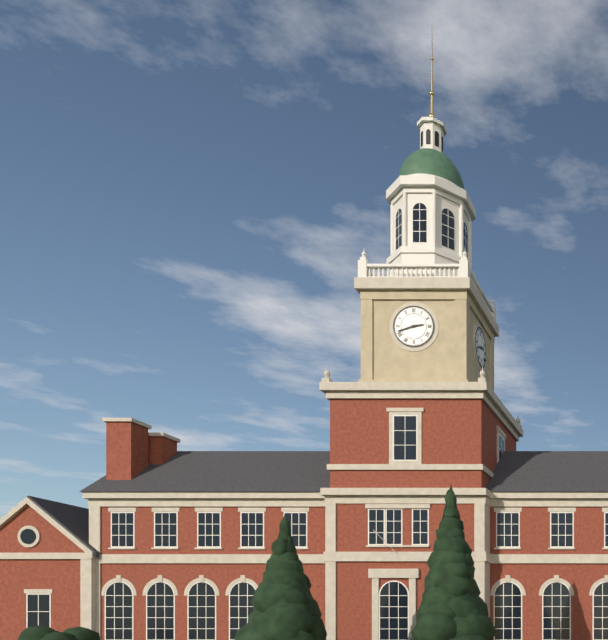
**2:42**
